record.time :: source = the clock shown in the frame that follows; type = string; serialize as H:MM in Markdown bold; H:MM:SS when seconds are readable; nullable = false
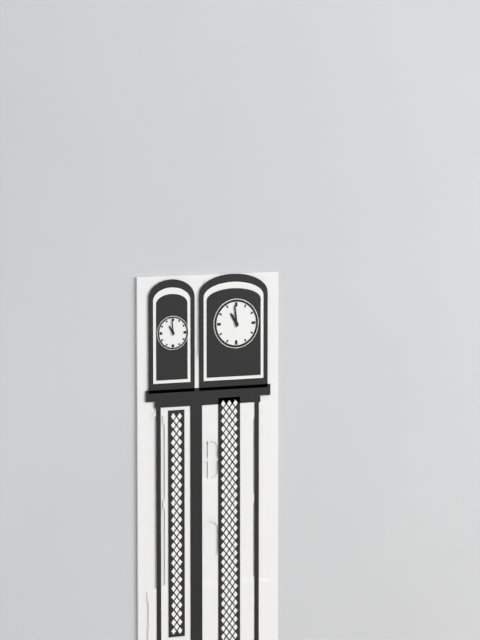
**10:59**
